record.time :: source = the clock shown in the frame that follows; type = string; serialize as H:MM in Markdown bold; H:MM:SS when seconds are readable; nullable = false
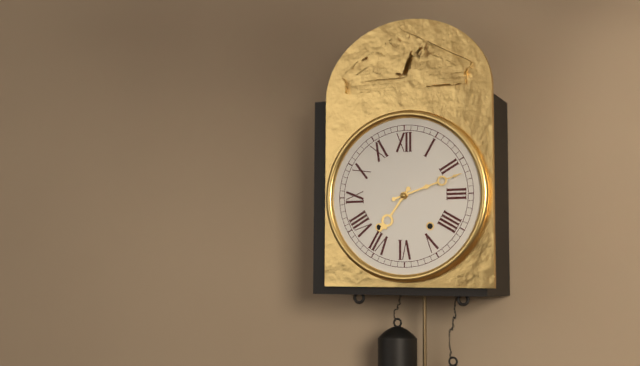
**7:12**
